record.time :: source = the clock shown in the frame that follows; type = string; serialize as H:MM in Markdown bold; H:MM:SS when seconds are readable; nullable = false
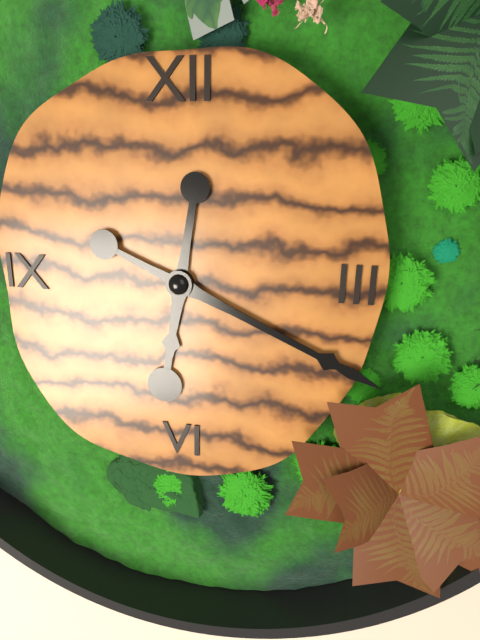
**6:19**
